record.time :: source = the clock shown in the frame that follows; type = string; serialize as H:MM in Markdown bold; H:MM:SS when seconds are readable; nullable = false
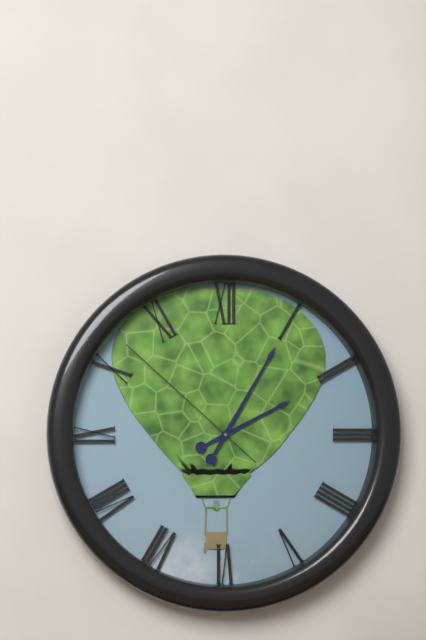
**2:05:52**
